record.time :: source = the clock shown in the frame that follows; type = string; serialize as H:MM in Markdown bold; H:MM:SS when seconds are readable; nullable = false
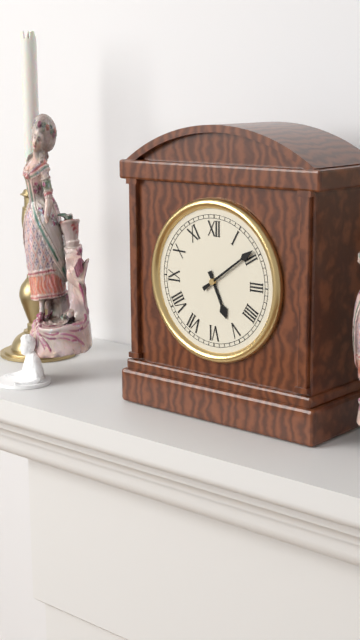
**5:09**
